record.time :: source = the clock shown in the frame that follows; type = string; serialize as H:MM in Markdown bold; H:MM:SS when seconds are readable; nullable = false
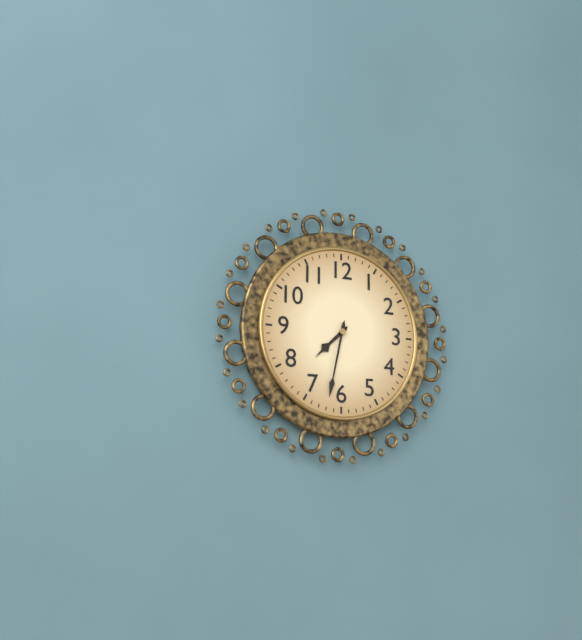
**7:32**
